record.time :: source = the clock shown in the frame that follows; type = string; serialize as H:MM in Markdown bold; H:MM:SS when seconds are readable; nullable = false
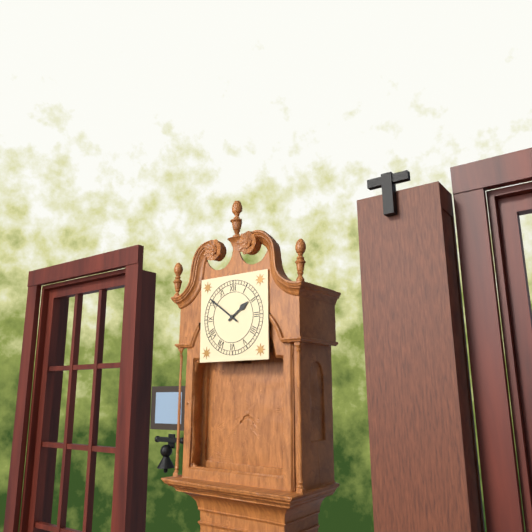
**1:51**
